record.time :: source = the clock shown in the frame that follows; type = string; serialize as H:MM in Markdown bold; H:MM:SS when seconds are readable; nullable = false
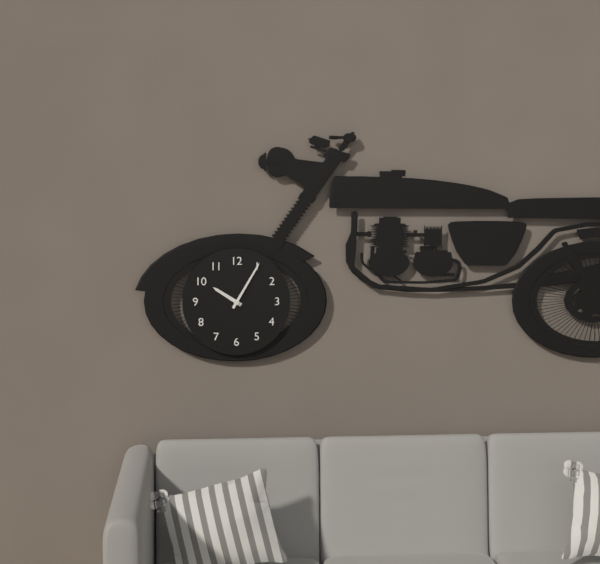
**10:05**
